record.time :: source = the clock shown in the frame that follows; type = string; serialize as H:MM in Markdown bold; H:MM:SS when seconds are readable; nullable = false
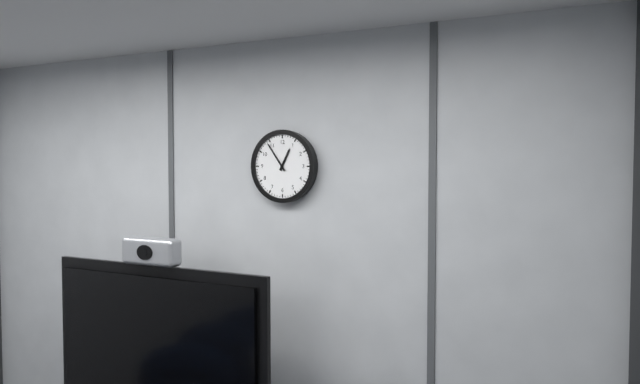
**12:54**
